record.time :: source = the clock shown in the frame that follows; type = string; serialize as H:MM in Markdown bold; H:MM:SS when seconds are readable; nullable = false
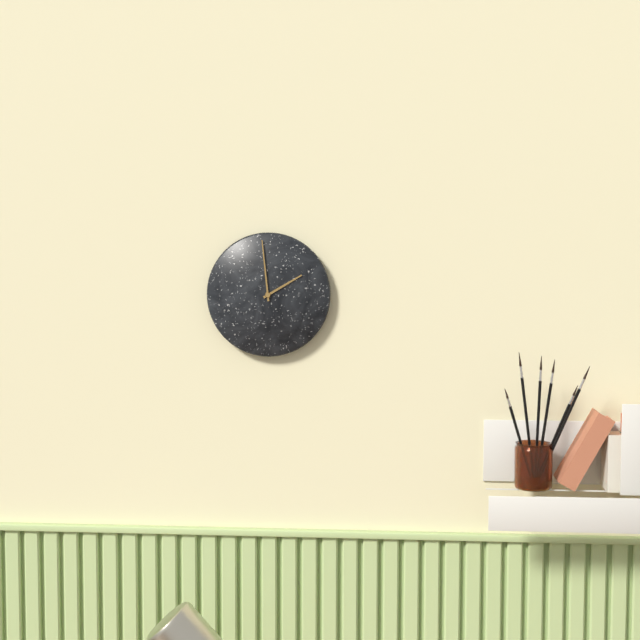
**1:59**
